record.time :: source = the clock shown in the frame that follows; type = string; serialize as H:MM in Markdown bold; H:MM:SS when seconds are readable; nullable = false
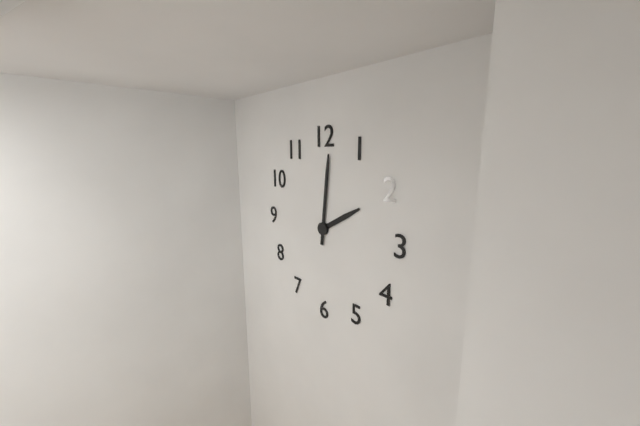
**2:01**
